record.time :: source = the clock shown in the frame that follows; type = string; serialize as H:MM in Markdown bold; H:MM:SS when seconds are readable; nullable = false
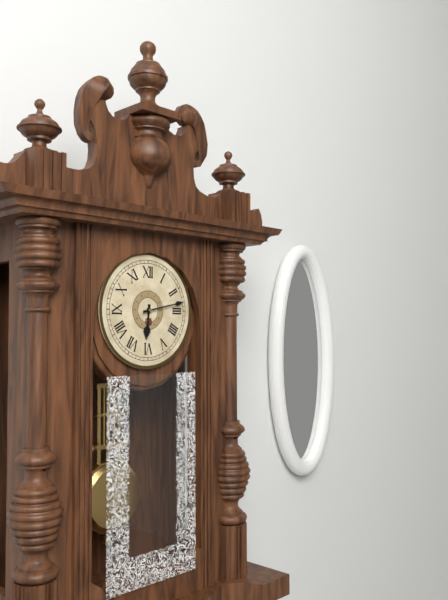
**6:13**
